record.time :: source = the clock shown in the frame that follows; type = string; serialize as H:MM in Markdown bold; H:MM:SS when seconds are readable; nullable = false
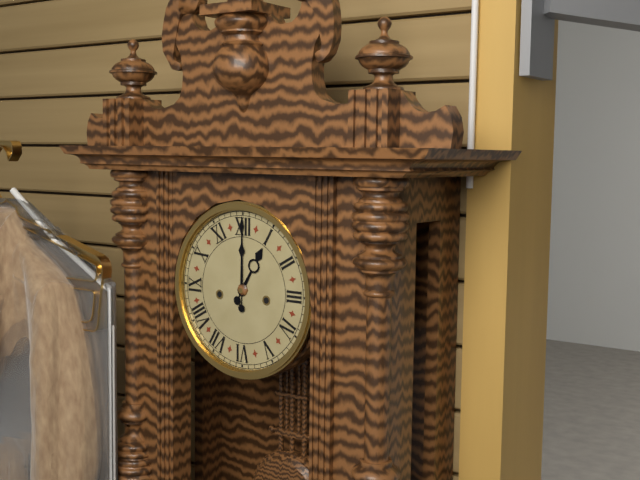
**1:00**
